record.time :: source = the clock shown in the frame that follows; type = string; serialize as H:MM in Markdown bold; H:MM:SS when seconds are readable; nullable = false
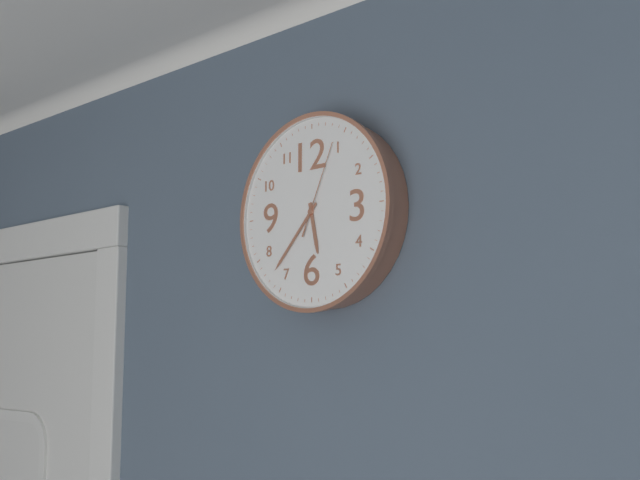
**5:37:04**
